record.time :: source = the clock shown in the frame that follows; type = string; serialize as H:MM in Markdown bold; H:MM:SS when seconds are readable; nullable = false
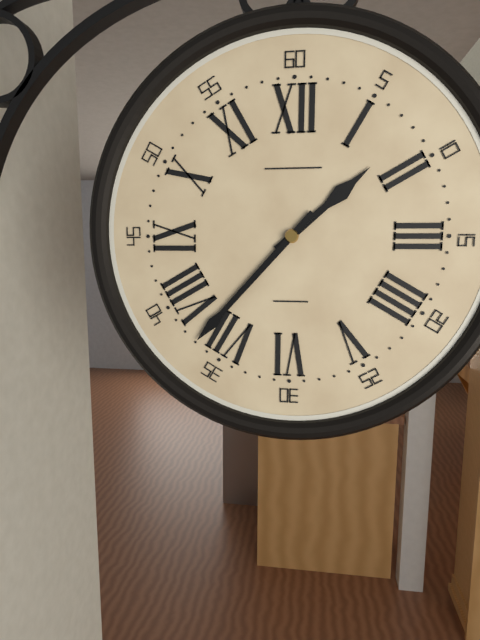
**1:37**
